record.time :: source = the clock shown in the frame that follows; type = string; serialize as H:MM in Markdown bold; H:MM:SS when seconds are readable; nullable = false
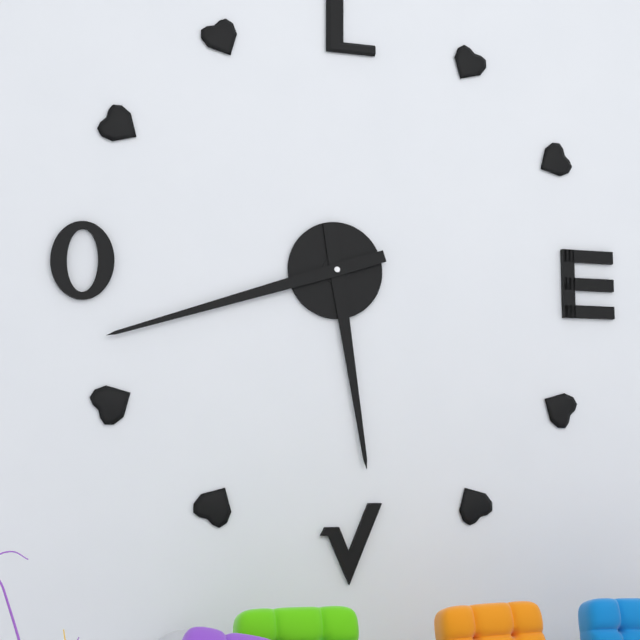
**5:42**
